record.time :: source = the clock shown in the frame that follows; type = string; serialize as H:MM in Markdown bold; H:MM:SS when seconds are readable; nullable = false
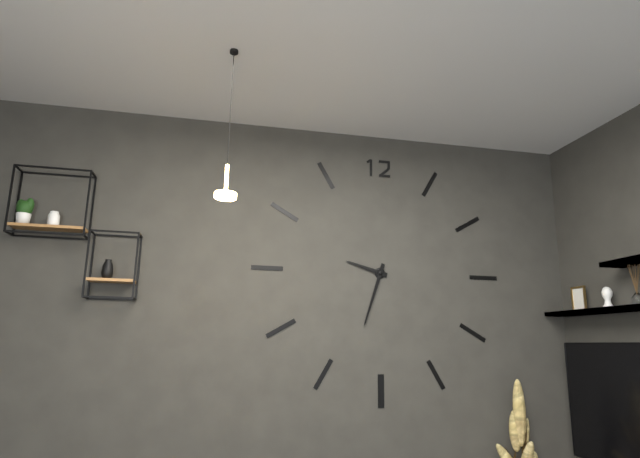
**9:33**
